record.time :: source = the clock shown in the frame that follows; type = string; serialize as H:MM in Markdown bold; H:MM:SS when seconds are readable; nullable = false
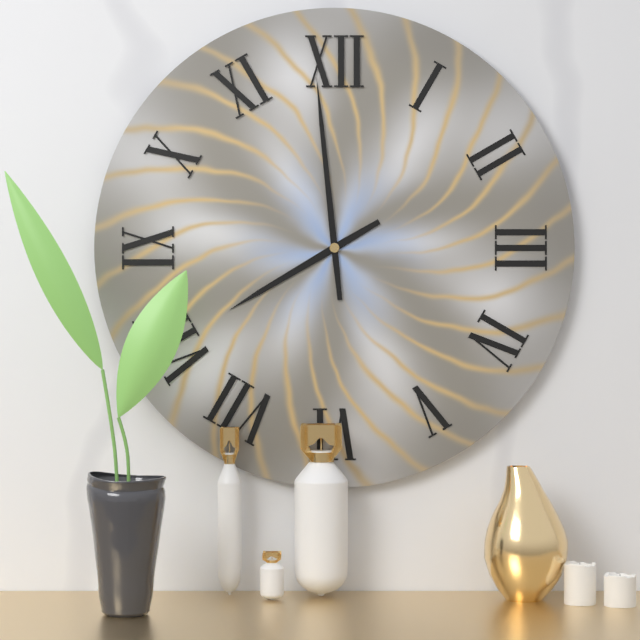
**7:59**
